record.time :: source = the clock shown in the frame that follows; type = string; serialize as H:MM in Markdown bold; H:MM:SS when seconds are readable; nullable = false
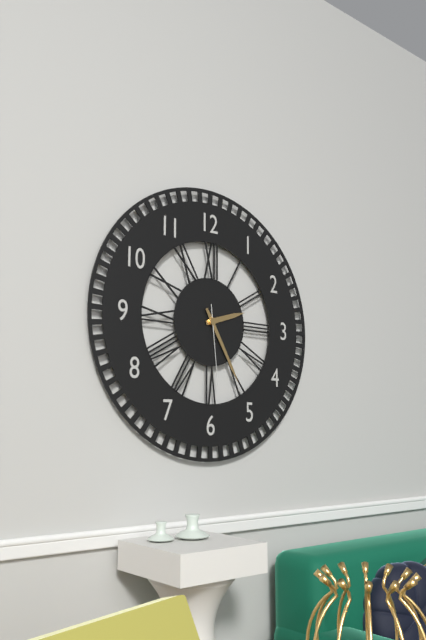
**2:25:29**
